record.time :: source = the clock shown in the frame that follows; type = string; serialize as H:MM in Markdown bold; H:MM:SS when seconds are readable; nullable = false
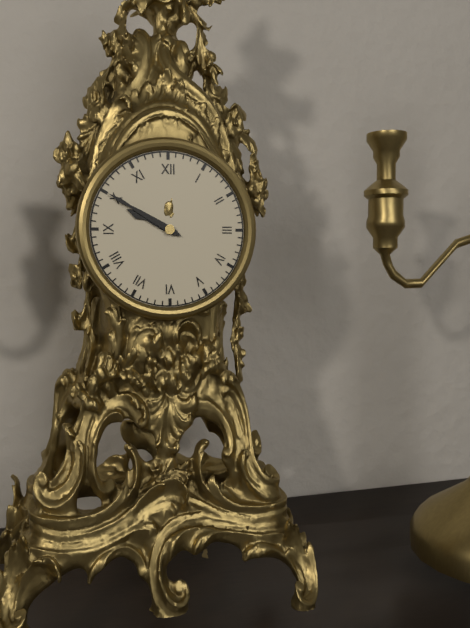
**9:50**
